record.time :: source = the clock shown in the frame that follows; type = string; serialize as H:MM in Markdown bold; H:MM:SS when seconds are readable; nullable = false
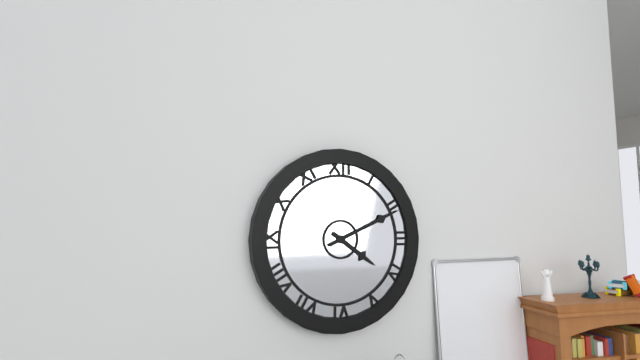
**4:11**
